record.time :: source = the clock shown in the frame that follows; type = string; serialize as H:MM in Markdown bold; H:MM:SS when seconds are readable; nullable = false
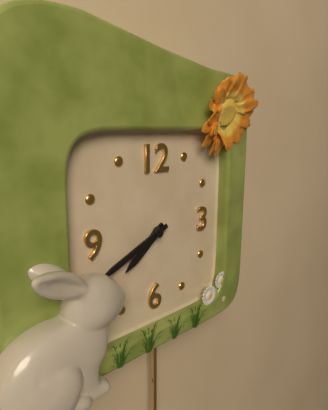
**7:41**
